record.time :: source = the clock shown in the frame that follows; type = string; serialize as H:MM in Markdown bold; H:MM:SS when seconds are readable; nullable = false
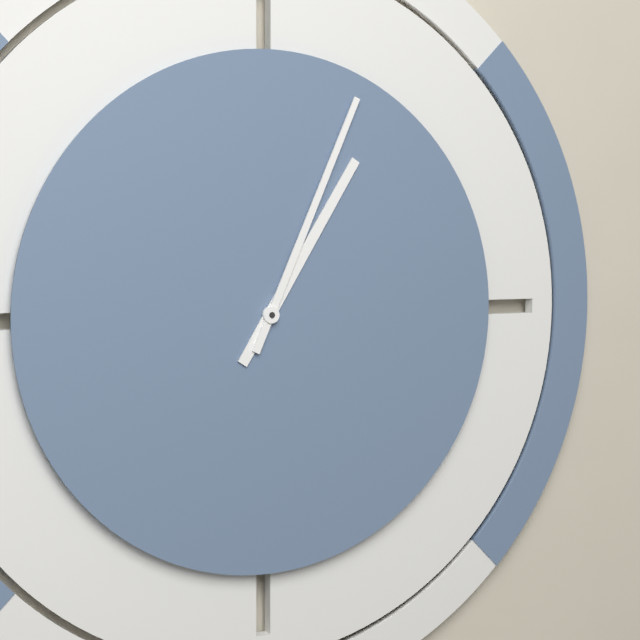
**1:04**
